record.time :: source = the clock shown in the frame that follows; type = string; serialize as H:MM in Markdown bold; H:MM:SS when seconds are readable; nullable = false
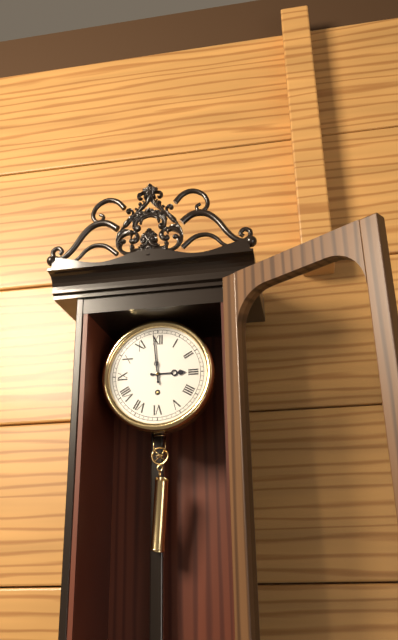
**2:59**
